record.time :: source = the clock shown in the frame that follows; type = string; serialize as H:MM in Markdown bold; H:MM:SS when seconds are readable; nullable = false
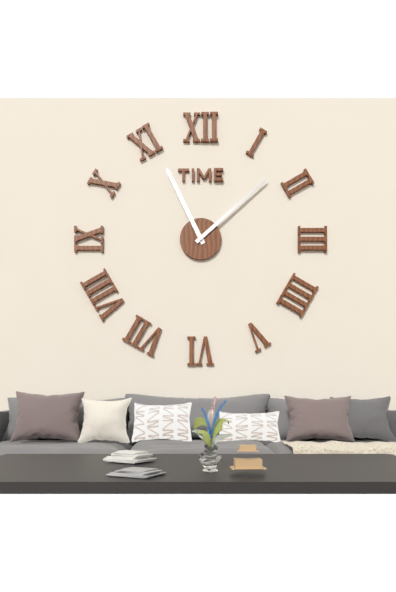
**11:08**
